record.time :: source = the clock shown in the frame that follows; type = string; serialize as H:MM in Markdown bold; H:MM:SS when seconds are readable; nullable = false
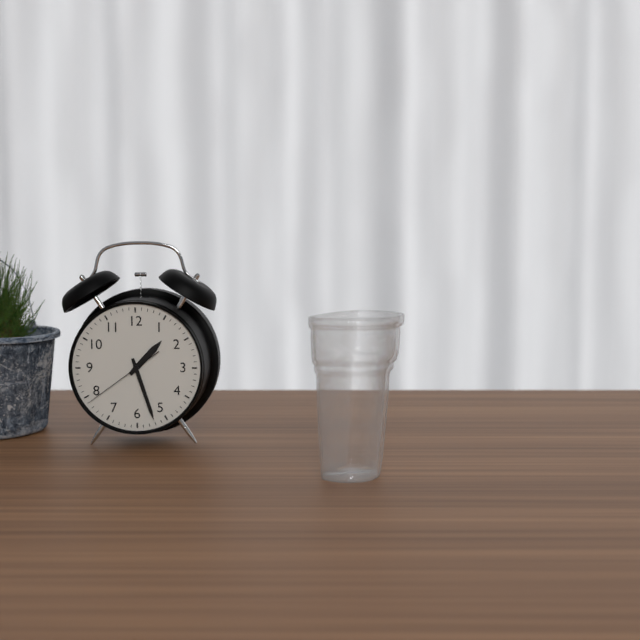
**1:27:39**
